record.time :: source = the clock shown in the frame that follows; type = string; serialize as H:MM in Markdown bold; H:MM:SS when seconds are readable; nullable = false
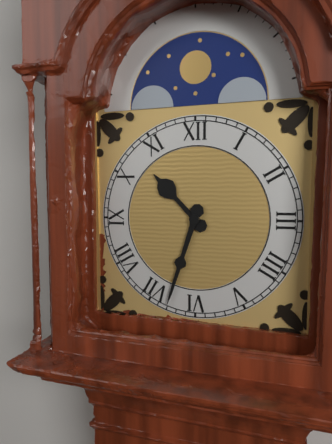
**10:33**
